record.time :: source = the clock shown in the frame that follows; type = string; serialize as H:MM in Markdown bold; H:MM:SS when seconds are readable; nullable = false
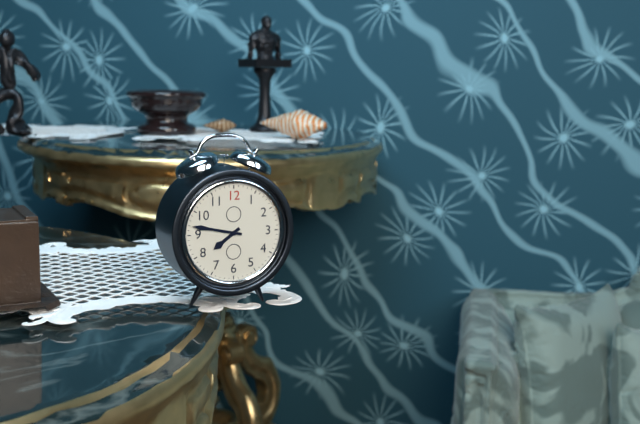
**7:47**
